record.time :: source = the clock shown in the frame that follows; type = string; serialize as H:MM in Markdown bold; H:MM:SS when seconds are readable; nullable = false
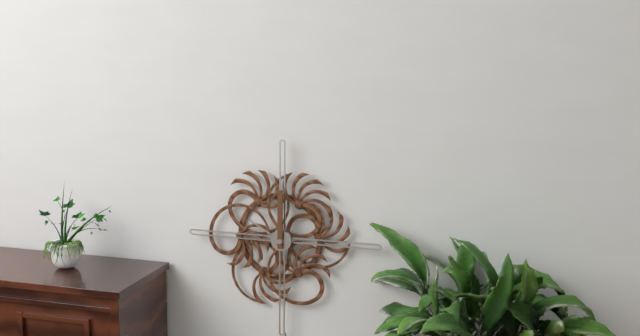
**10:00**
